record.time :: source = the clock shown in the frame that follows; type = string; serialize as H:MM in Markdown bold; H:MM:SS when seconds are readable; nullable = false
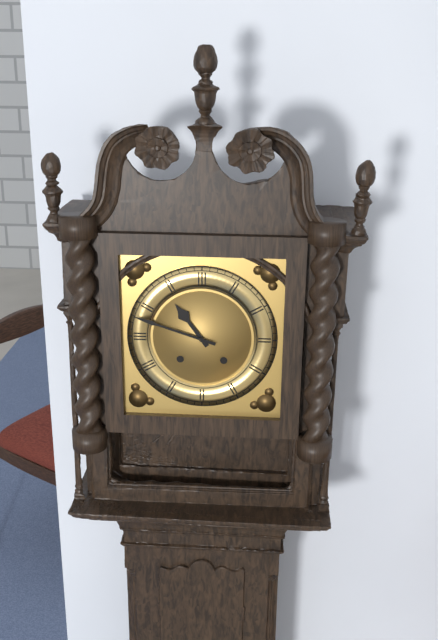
**10:48**
